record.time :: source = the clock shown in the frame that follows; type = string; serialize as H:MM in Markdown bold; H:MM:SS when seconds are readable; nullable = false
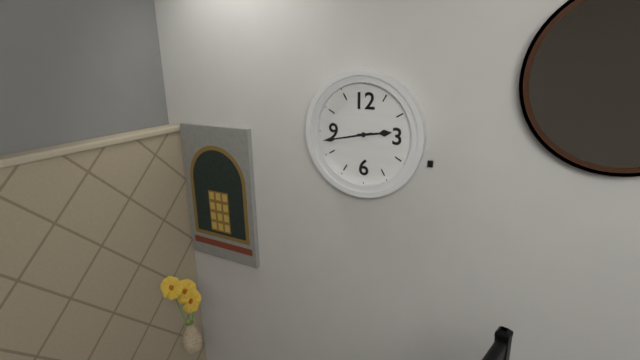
**2:43**
